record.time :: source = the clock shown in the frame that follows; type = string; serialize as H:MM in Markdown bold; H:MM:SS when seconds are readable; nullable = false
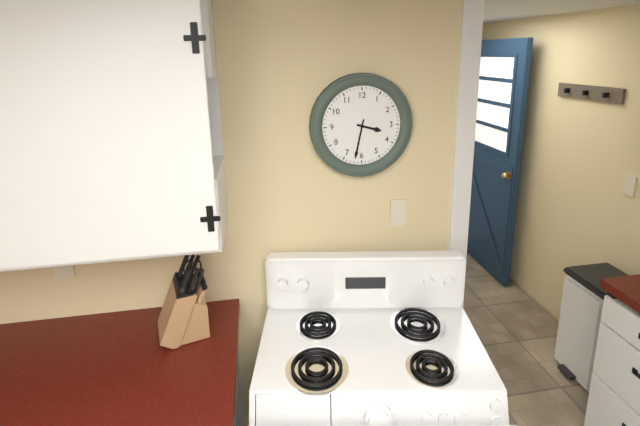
**3:32**
